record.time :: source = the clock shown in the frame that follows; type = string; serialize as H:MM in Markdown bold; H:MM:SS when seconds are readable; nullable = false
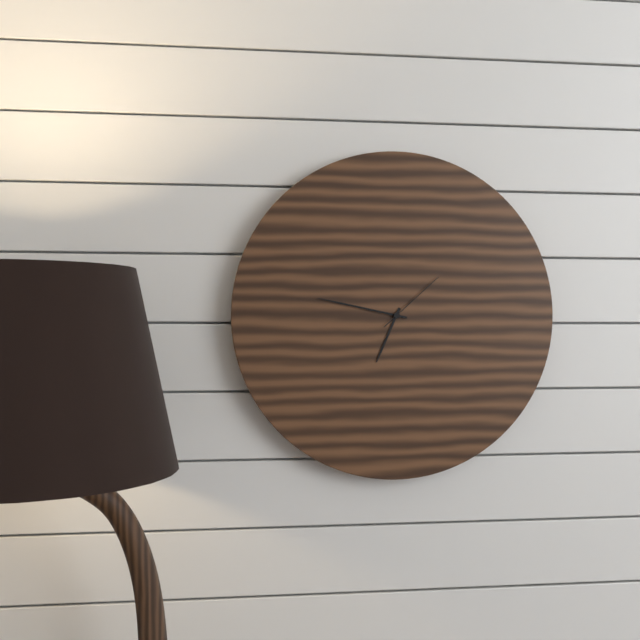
**6:47:08**
